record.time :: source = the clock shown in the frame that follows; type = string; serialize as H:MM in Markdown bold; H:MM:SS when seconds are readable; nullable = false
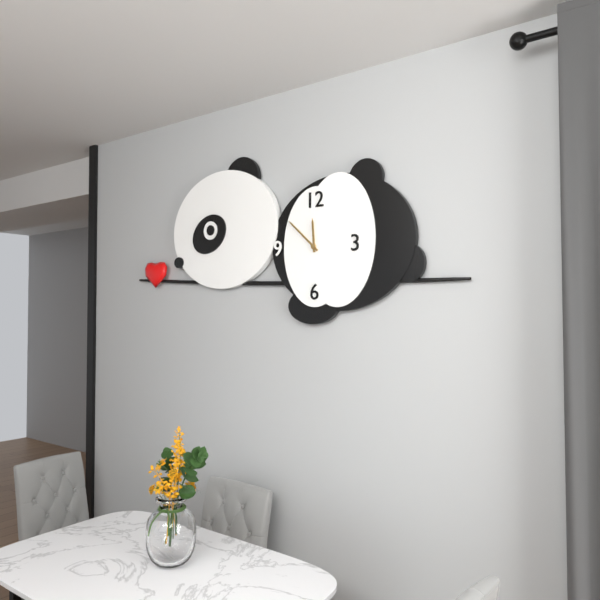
**11:52**
